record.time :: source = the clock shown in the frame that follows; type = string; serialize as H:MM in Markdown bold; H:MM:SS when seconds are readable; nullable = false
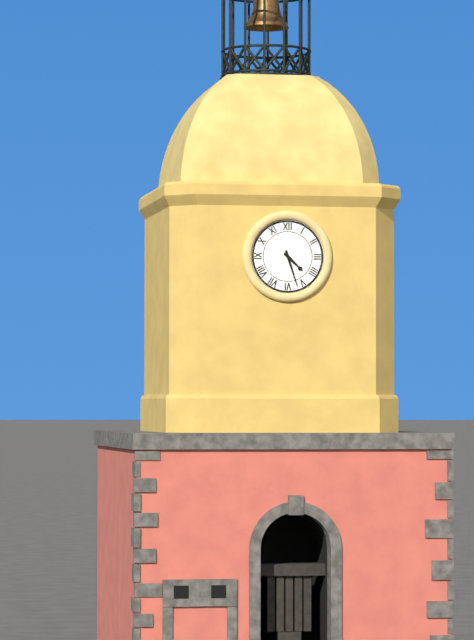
**4:27**
